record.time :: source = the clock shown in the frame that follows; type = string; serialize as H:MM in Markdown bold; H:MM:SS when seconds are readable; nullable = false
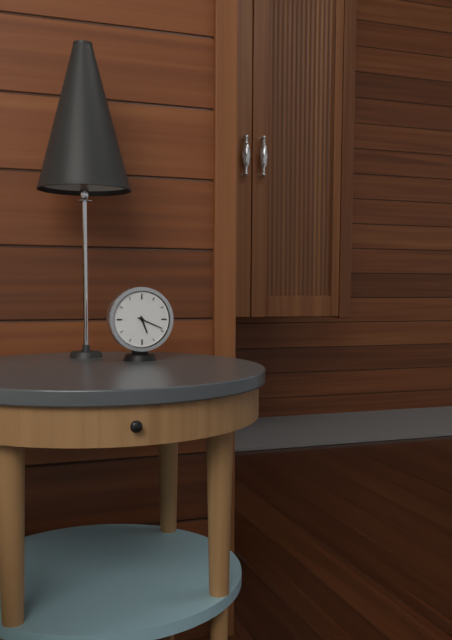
**5:19**
